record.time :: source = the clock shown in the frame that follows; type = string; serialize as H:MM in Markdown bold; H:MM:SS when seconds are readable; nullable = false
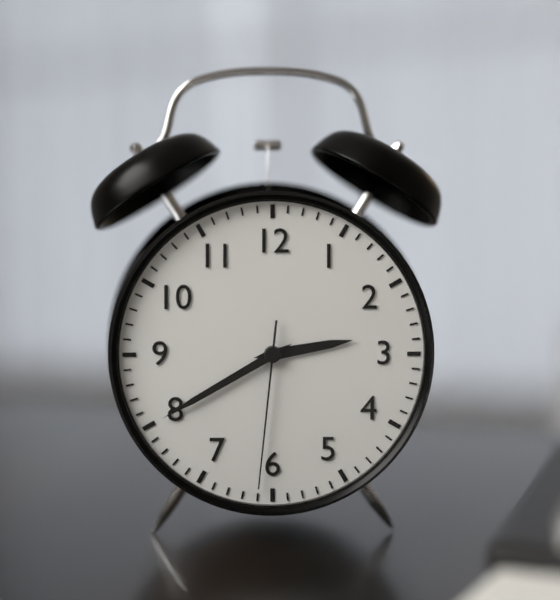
**2:40:31**
